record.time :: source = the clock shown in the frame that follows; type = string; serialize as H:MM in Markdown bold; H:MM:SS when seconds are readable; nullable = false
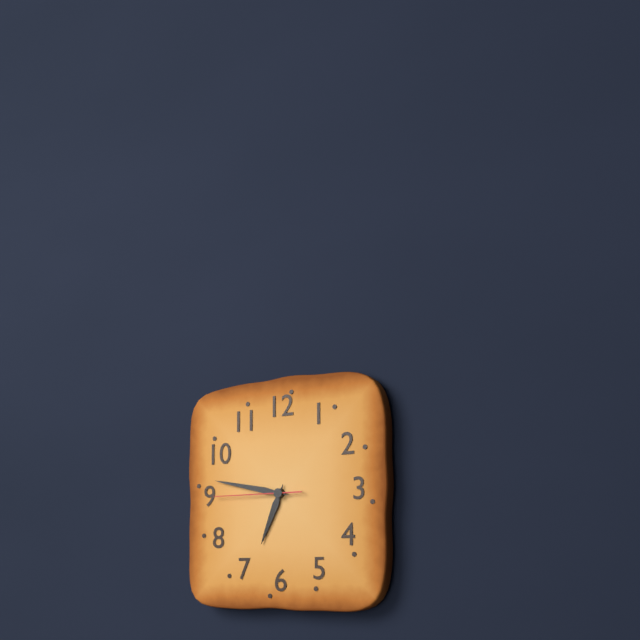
**6:47:45**
